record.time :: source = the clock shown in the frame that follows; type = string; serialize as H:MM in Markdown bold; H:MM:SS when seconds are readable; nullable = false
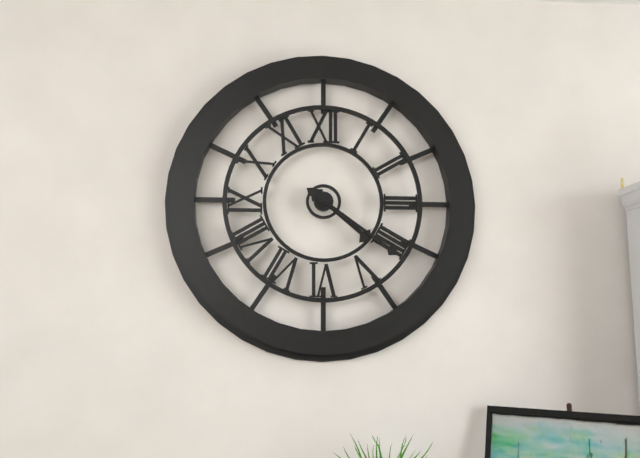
**4:21**
